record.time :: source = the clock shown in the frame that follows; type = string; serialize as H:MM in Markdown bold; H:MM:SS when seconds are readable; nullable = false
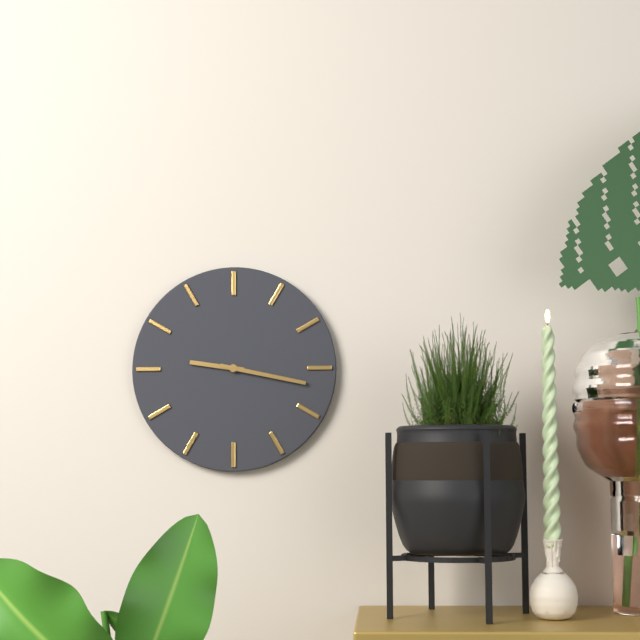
**9:17**
